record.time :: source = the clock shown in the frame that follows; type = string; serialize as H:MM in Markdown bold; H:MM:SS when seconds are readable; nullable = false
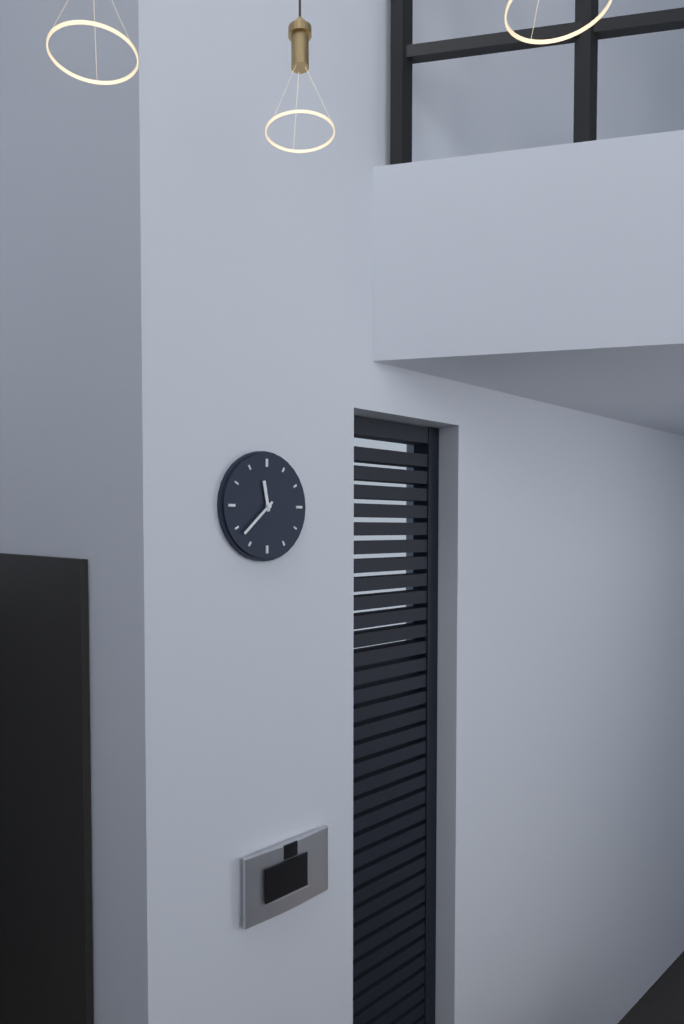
**11:38**
